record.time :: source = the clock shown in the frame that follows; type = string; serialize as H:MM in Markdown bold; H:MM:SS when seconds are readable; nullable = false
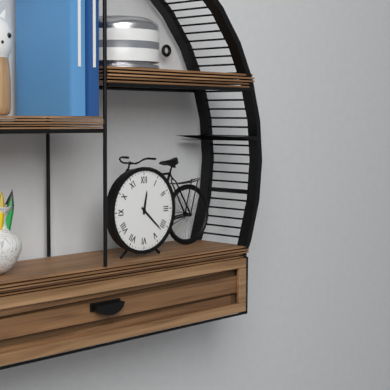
**12:22**
